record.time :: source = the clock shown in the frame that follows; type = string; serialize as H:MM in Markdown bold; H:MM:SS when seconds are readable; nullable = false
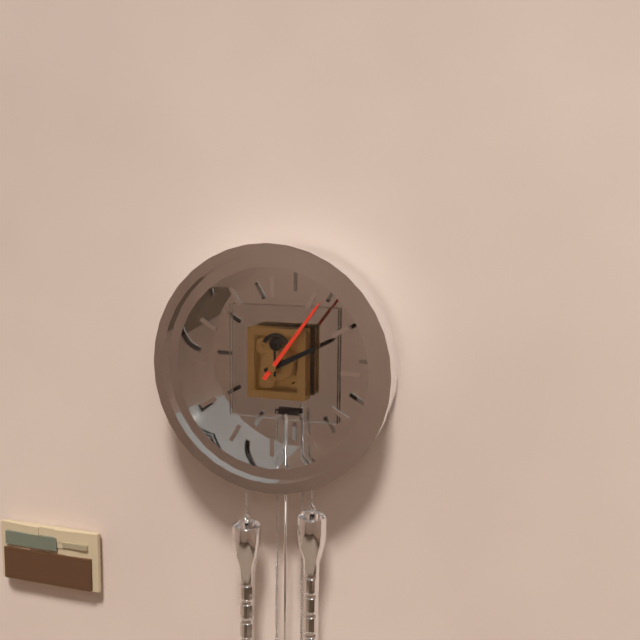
**2:06**
